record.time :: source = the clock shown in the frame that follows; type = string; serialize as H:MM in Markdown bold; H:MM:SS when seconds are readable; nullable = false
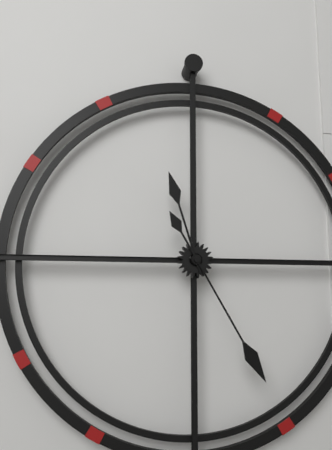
**11:25**
